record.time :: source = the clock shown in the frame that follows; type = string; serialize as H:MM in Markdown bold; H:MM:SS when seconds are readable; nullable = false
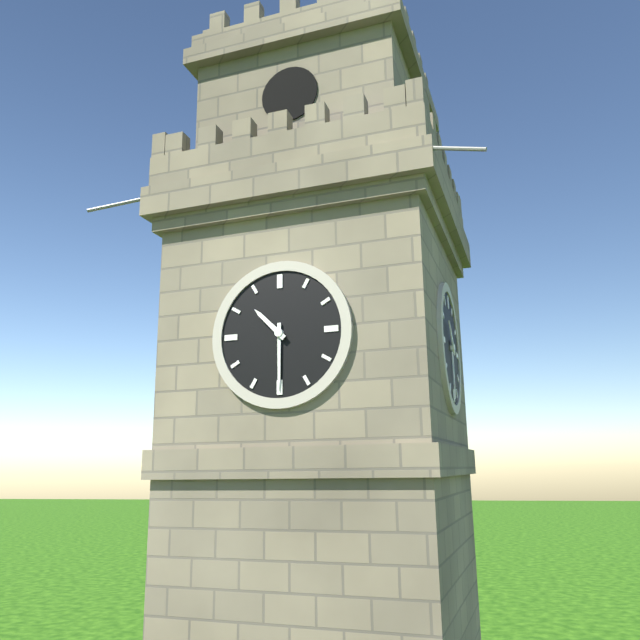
**10:30**
